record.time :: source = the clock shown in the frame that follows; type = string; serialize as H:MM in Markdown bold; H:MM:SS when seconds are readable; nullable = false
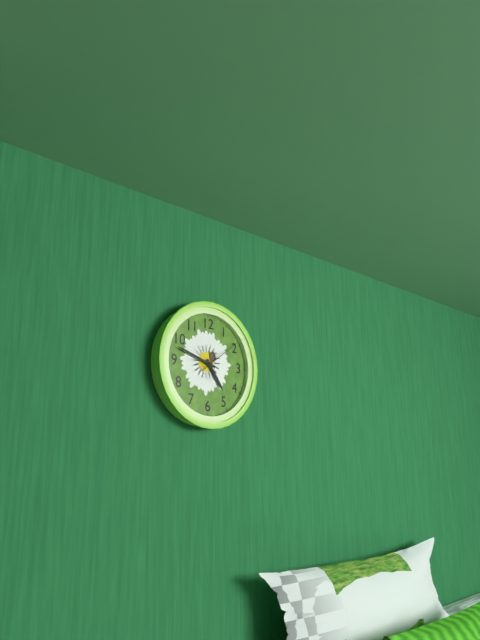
**4:48**
